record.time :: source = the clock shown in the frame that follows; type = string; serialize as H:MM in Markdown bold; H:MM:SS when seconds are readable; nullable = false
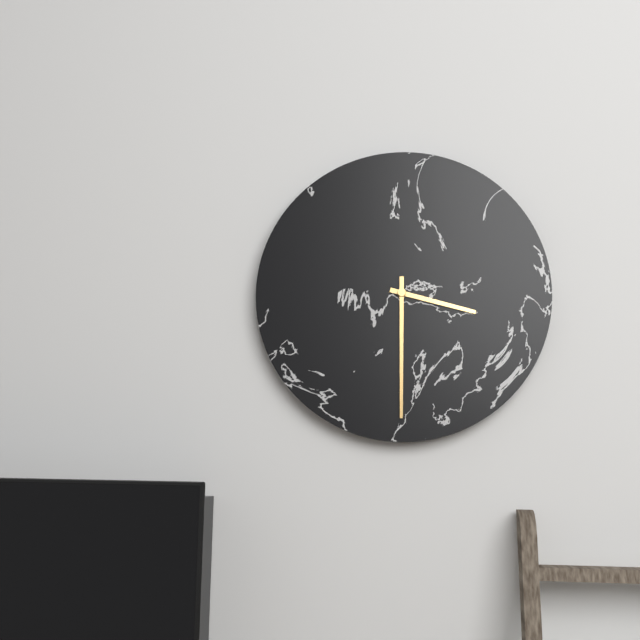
**3:30**
